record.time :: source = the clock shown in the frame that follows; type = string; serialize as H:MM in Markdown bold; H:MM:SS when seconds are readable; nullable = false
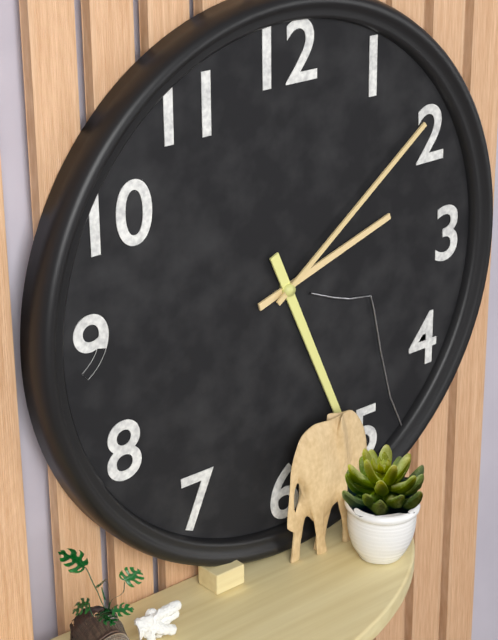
**2:26:09**
